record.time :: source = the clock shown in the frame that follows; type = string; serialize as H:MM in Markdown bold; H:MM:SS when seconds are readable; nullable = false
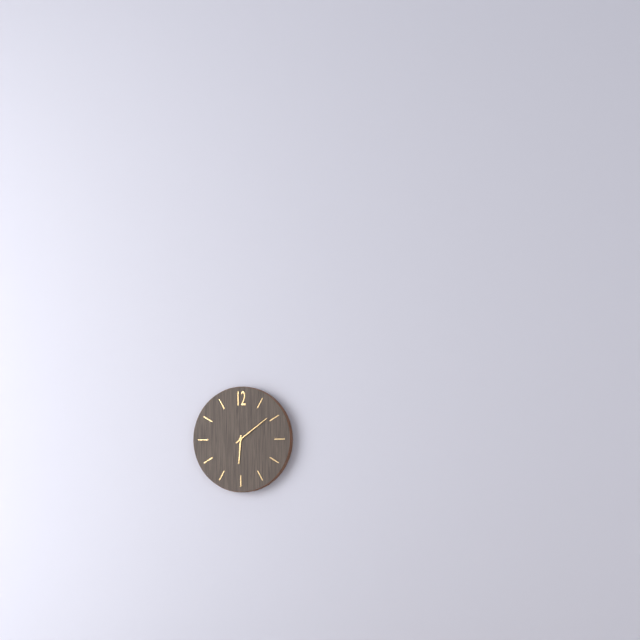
**6:09**
